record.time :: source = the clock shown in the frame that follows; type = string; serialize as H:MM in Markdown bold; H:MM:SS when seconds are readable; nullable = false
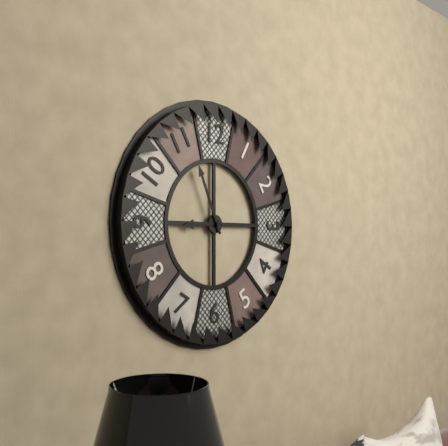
**8:56**
